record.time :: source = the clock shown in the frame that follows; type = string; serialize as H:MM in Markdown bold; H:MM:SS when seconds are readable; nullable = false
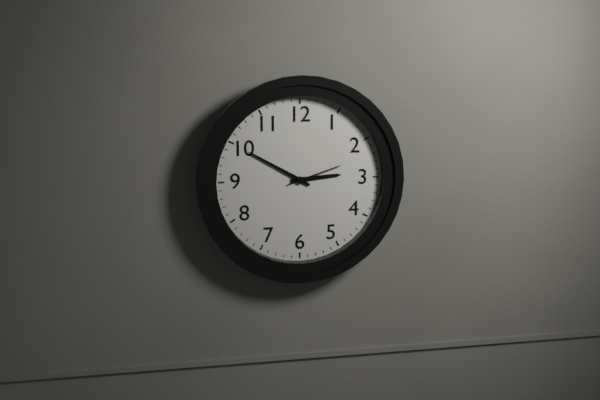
**2:50:12**
